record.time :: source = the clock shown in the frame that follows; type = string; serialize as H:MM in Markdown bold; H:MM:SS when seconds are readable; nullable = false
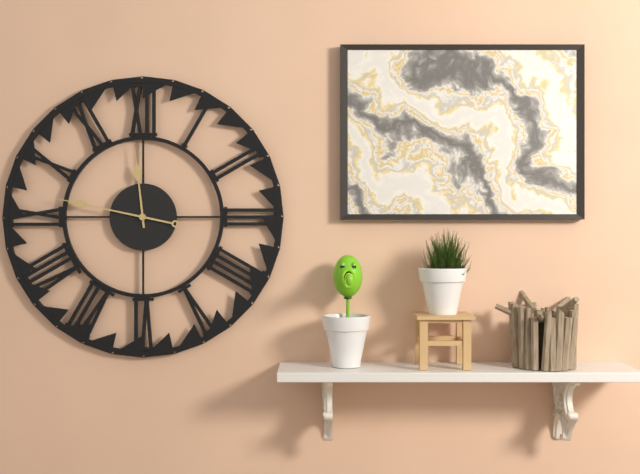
**11:47**
